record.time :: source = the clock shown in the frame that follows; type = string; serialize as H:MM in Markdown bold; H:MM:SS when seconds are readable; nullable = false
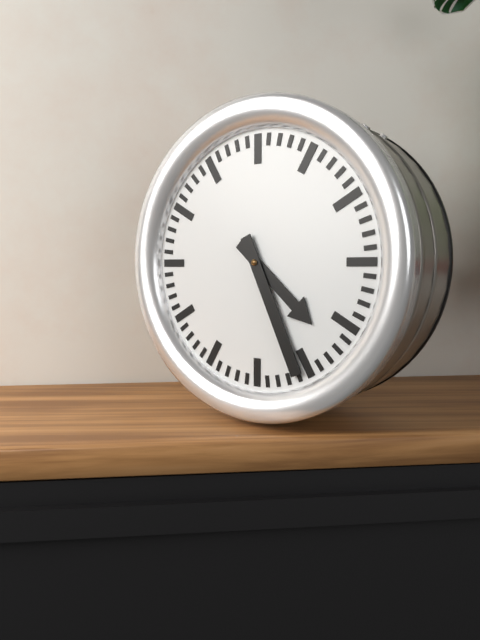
**4:26**
